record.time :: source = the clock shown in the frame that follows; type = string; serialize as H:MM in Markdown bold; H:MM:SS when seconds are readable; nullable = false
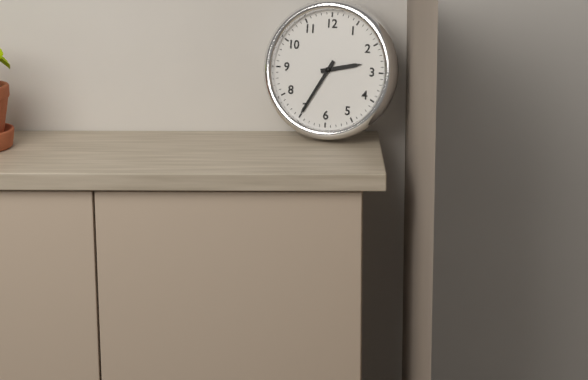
**2:35**
